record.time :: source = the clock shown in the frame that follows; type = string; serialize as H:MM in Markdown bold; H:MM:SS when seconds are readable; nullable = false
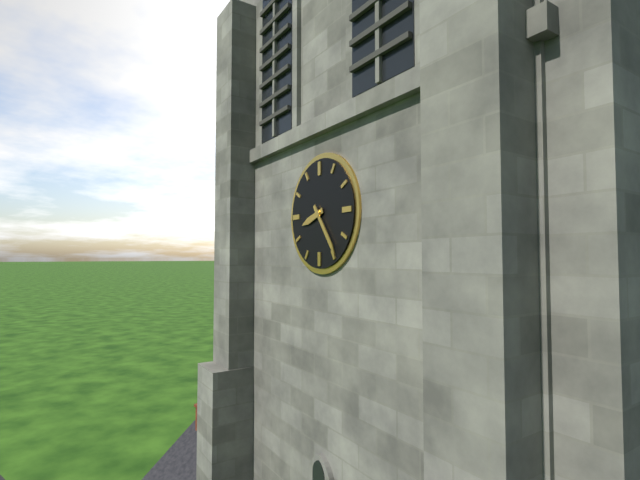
**8:24**
